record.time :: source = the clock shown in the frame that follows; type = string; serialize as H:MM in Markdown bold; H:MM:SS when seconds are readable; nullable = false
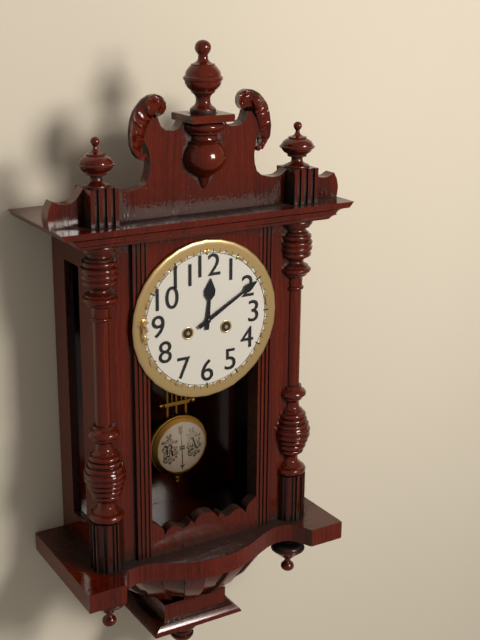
**12:10**
